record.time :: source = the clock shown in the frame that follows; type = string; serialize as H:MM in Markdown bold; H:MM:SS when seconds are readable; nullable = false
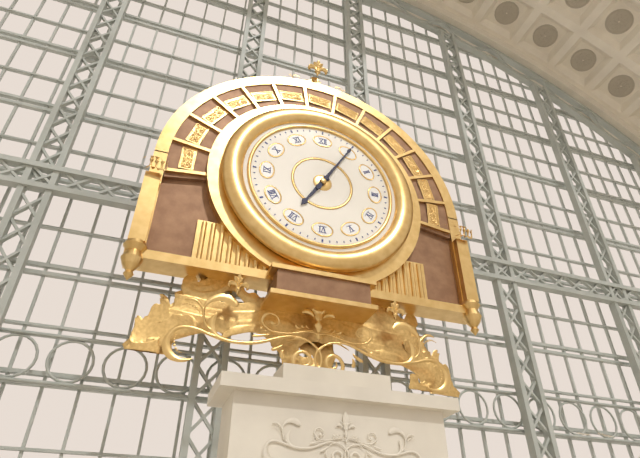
**7:05**
